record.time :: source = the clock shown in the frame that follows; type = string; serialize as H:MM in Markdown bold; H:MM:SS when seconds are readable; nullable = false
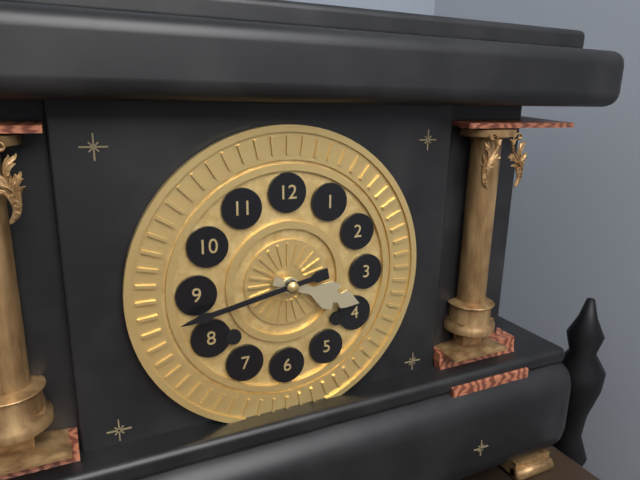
**3:43**
